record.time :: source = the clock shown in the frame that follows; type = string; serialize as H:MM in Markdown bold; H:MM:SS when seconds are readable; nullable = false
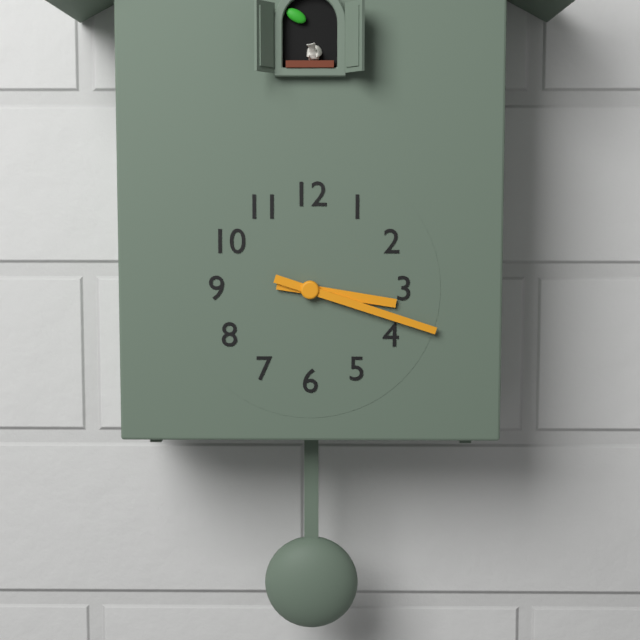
**3:18**
